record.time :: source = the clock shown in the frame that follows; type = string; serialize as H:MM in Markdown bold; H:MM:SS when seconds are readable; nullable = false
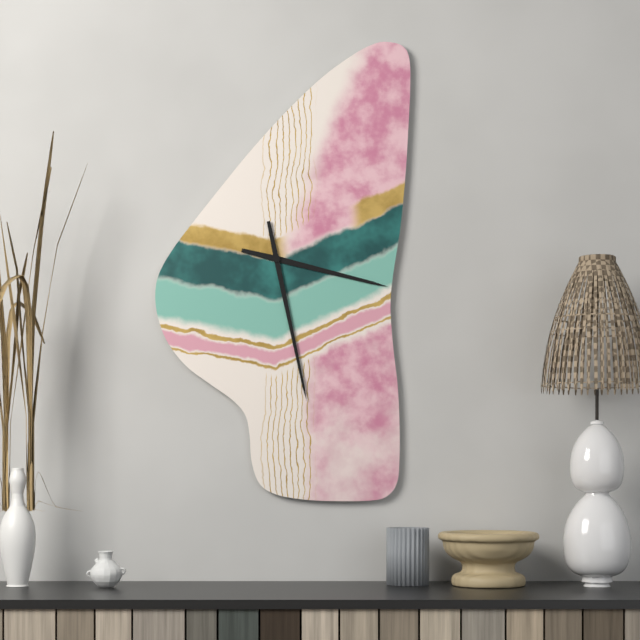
**3:28**
